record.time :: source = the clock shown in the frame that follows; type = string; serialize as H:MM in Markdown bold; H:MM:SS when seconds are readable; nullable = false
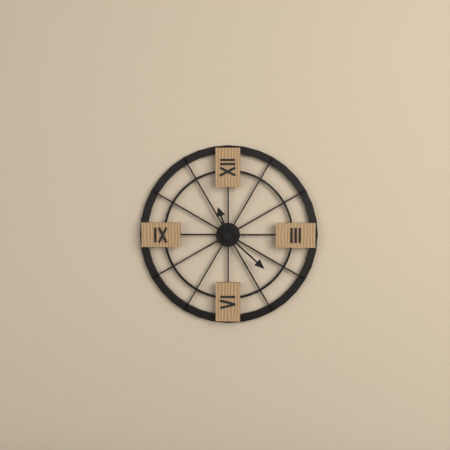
**11:22**
